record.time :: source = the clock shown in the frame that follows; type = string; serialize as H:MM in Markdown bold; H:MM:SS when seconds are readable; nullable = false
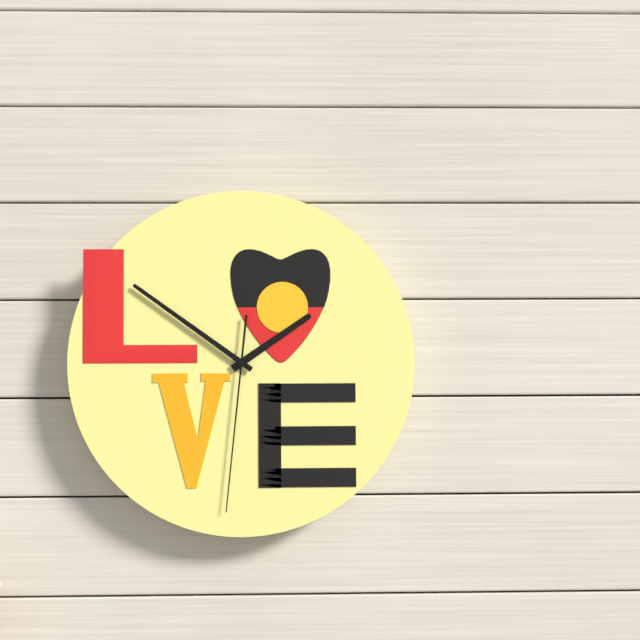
**1:51:31**
